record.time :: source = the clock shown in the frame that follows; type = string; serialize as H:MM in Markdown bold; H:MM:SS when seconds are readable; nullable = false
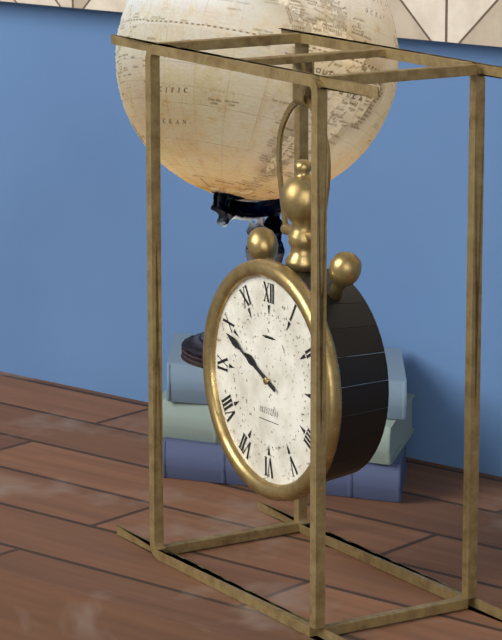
**9:49**
